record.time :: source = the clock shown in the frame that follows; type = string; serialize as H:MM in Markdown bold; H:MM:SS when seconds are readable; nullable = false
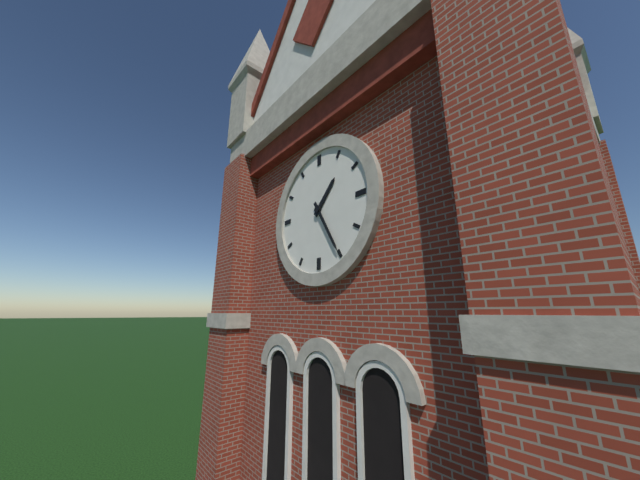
**1:25**
